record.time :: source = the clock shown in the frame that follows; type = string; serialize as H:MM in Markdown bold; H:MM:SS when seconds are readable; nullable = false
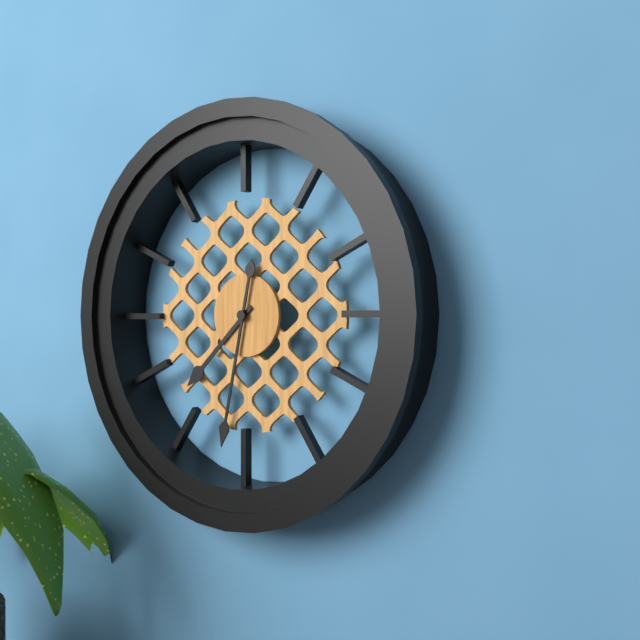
**7:32**
